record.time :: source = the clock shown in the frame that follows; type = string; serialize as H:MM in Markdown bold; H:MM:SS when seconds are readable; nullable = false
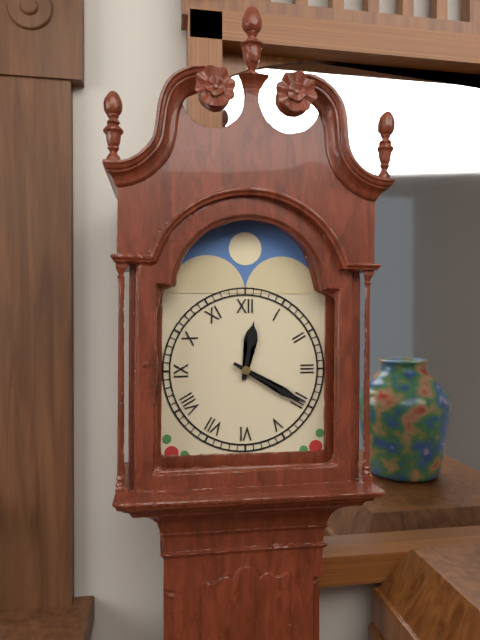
**12:20**
